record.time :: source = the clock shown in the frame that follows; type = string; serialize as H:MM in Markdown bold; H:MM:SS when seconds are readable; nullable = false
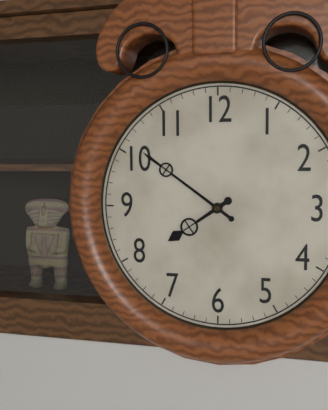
**7:51**
